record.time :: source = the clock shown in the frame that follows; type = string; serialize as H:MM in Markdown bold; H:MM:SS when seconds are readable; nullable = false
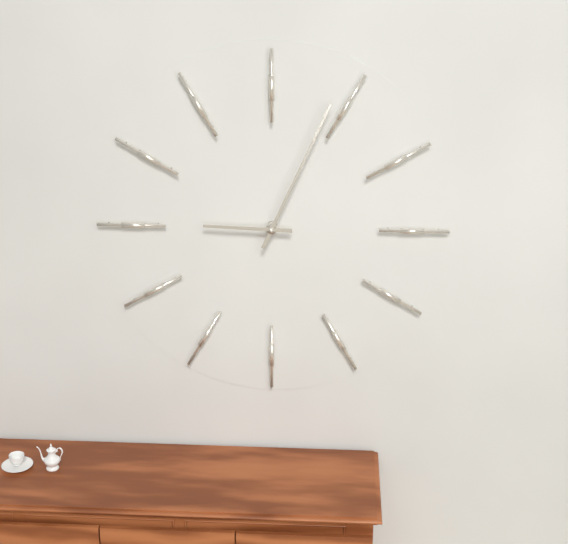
**9:04**
